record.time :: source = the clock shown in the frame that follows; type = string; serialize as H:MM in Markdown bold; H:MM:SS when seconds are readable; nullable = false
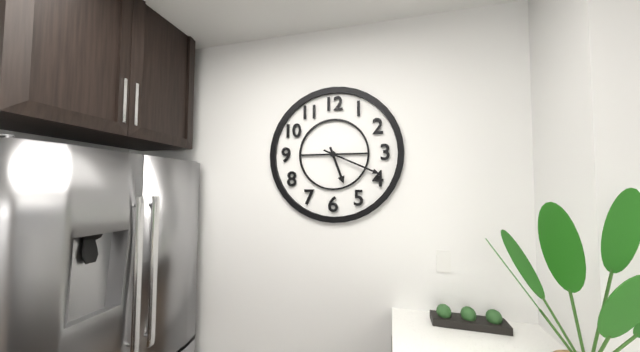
**5:19**
